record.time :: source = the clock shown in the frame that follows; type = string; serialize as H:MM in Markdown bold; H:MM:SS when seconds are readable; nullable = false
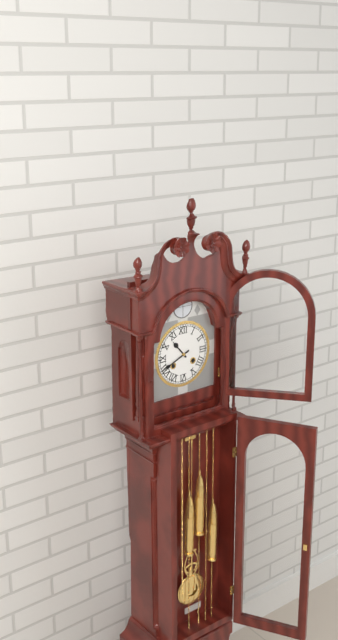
**10:41**
